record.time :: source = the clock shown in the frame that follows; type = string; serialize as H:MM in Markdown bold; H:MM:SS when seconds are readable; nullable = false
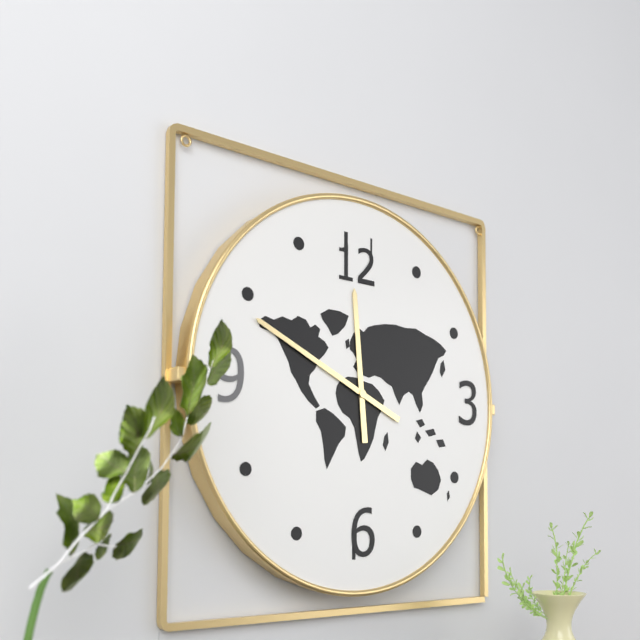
**11:49**
